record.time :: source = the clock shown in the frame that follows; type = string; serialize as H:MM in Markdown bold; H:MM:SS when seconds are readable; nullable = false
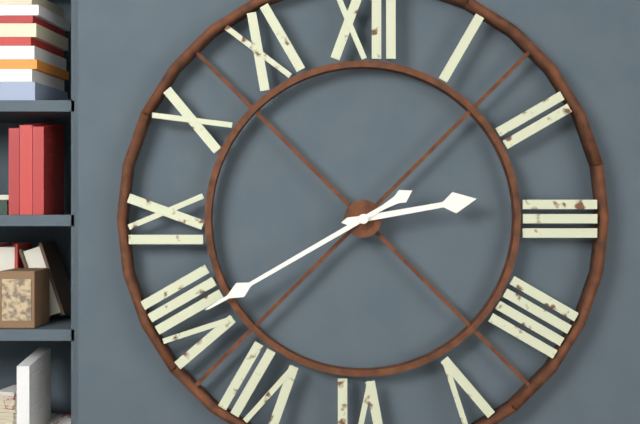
**2:40**
